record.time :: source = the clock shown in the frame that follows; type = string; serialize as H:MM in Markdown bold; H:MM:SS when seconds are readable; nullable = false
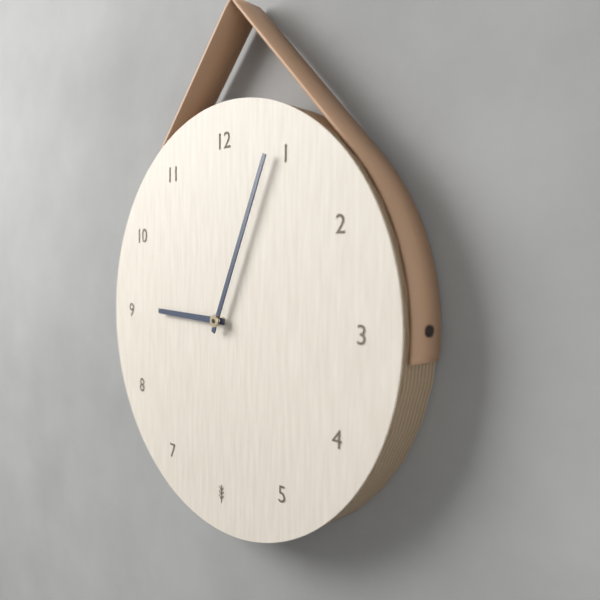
**9:04**
